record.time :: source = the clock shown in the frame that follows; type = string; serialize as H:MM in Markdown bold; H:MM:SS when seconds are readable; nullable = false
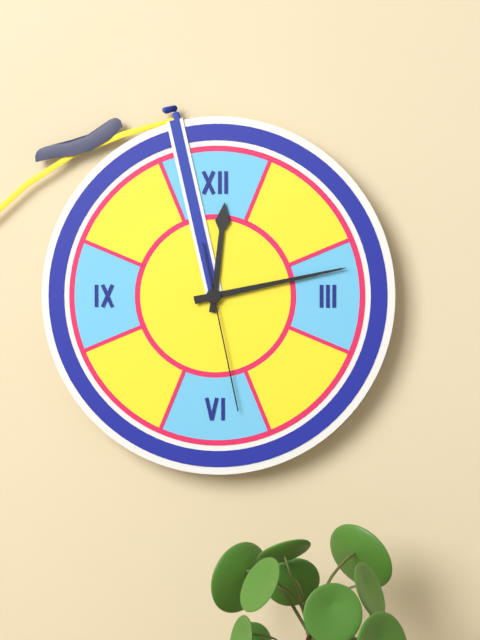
**12:13:28**
